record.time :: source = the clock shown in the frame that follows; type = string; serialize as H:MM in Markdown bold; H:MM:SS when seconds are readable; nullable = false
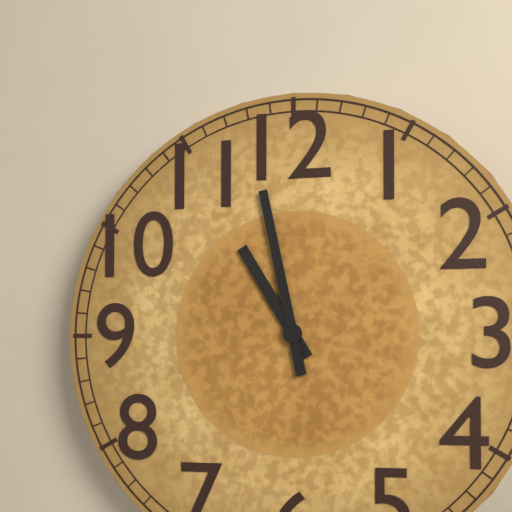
**10:58**
